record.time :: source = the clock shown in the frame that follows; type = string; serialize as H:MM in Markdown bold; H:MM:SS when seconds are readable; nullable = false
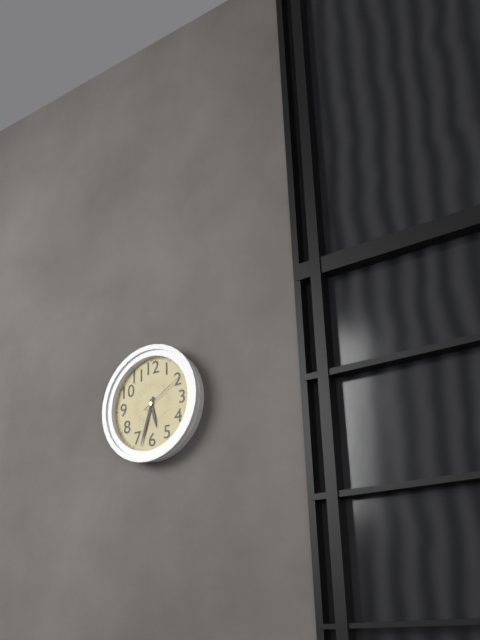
**5:33:10**
